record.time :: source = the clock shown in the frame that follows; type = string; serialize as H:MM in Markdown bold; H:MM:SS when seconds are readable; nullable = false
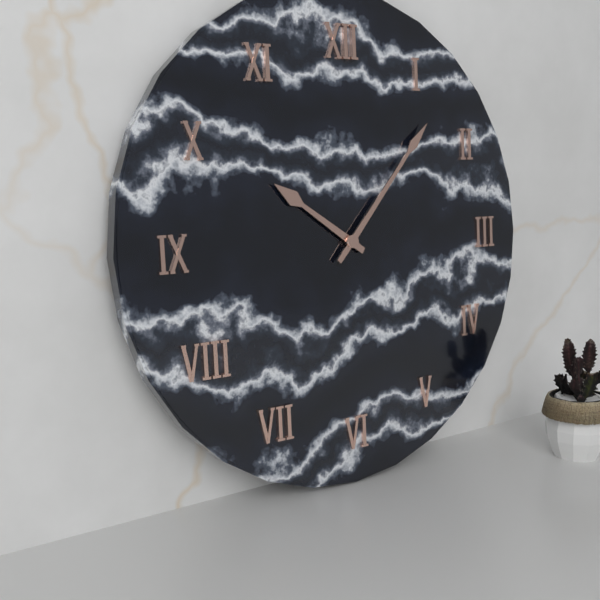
**10:07**
